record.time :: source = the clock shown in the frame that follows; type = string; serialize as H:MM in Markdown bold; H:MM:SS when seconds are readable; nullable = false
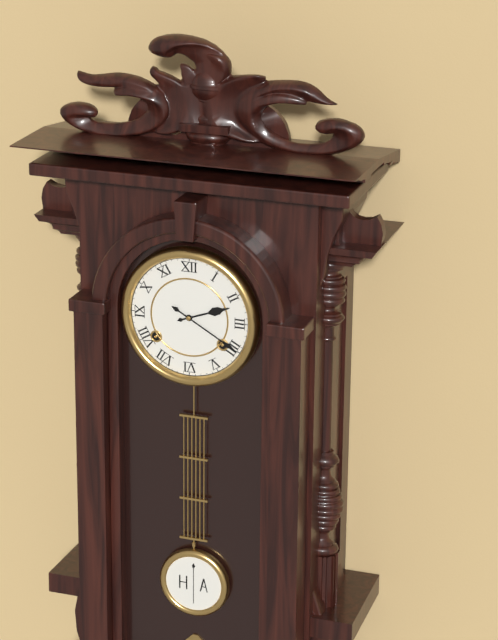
**2:20**
